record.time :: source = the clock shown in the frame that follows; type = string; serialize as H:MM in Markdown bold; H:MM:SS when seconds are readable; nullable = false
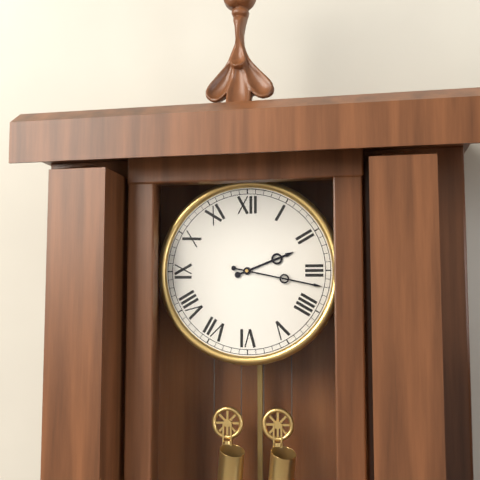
**2:17**
